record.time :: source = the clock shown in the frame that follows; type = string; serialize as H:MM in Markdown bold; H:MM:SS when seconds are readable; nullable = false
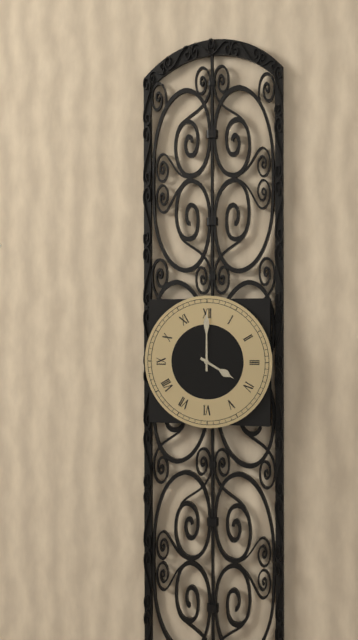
**4:00**
